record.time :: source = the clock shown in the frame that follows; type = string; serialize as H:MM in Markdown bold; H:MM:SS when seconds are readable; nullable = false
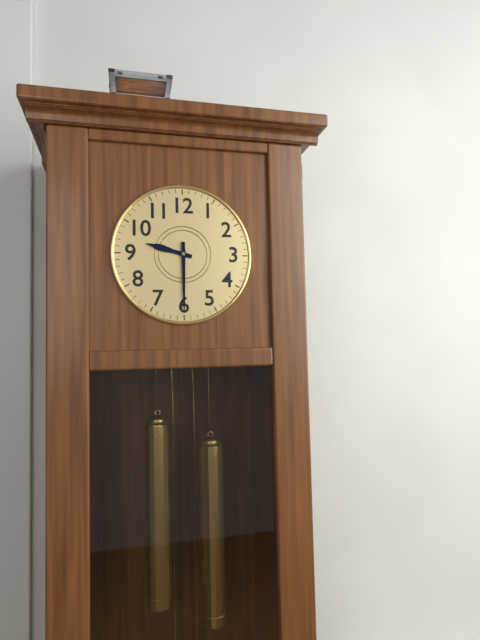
**9:30**
